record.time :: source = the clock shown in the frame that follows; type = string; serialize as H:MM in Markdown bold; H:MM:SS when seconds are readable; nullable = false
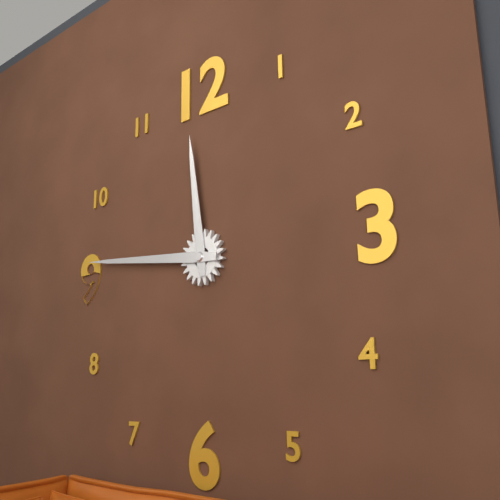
**11:46**
